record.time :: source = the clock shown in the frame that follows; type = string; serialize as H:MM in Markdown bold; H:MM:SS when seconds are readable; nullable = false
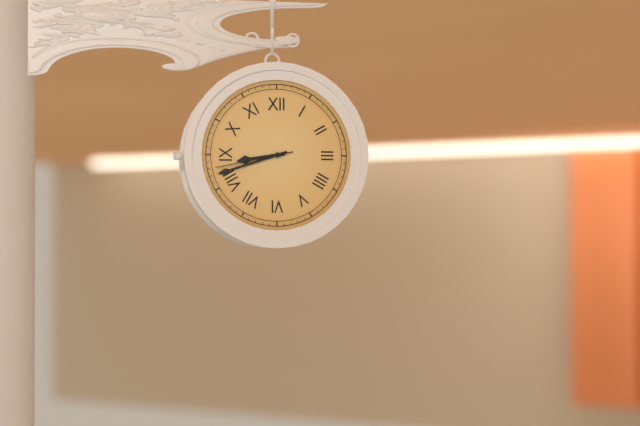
**8:42:43**
